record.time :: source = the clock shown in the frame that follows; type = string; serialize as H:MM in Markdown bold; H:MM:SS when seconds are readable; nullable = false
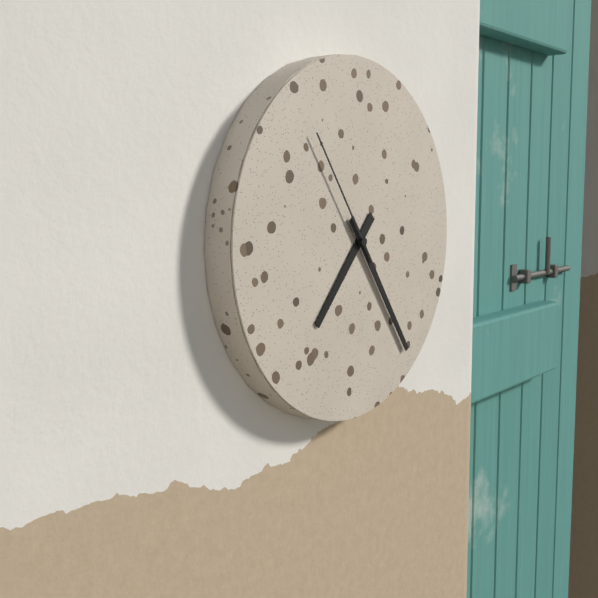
**7:24:54**
